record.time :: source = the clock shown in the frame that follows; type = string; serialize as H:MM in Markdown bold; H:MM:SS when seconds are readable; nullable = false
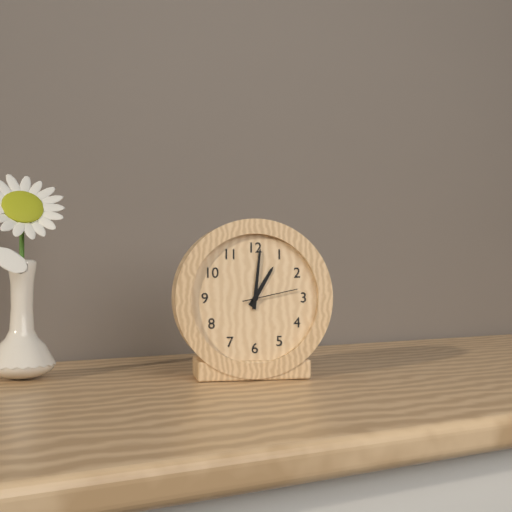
**1:01:13**
